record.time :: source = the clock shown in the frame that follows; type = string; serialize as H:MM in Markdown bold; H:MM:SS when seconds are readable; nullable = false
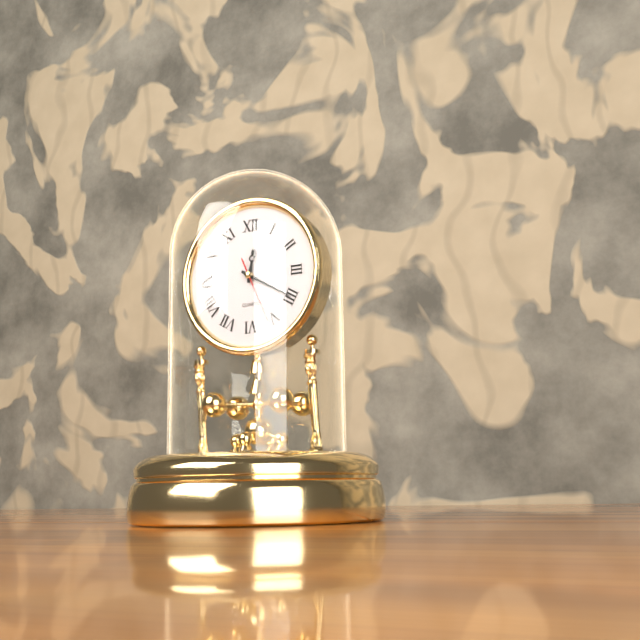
**12:20:26**
